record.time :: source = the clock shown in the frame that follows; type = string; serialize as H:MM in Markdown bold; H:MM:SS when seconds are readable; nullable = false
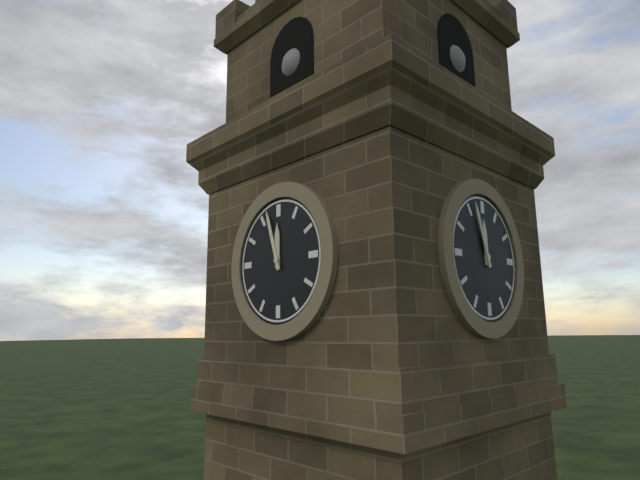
**11:57**
